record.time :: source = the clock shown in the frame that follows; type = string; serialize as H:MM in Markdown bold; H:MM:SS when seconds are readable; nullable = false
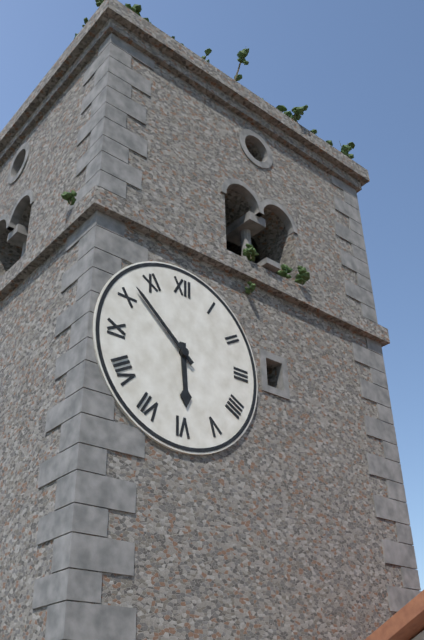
**5:52**
